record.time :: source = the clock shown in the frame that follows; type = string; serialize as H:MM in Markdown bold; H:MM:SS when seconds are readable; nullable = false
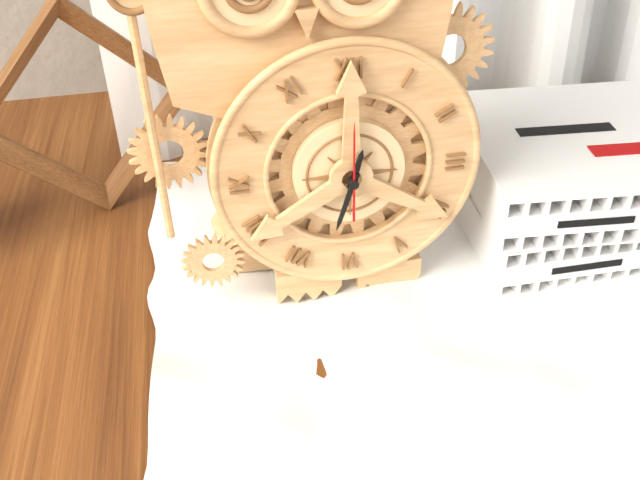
**12:33:00**
